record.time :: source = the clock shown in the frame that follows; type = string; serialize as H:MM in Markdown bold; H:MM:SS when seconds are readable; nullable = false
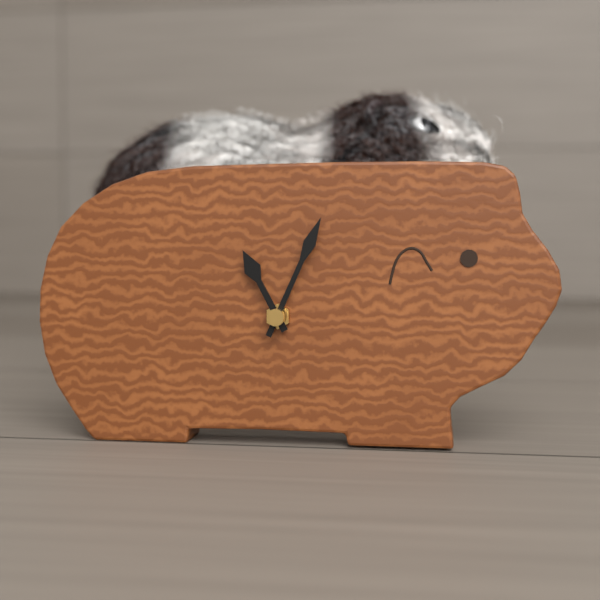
**11:04**
